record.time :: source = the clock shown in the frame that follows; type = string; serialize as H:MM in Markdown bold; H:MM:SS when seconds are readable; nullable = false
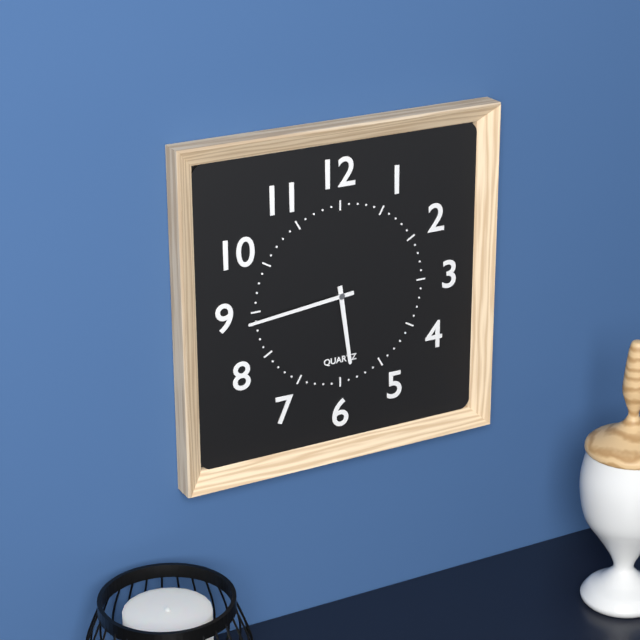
**5:44**
